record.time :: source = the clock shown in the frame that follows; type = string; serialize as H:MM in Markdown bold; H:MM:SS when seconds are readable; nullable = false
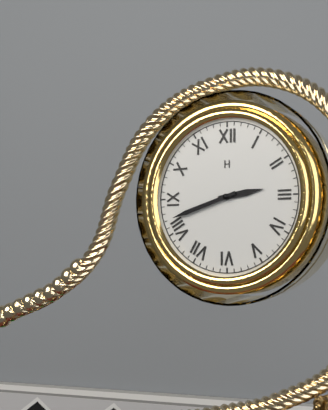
**2:42**
